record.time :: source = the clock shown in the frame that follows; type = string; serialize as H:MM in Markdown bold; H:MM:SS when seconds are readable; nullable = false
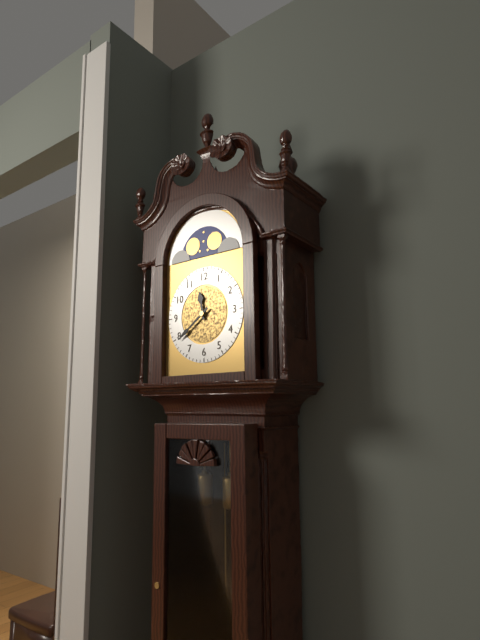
**11:39**
